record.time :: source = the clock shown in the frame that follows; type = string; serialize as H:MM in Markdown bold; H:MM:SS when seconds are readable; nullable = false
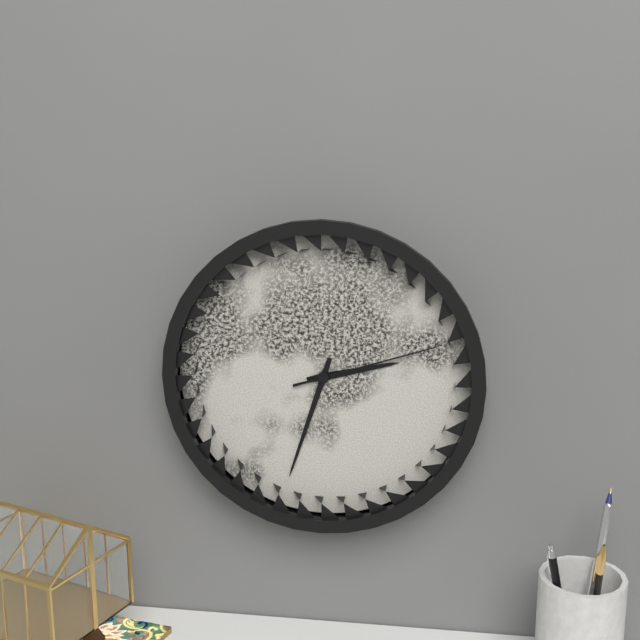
**2:33:12**
